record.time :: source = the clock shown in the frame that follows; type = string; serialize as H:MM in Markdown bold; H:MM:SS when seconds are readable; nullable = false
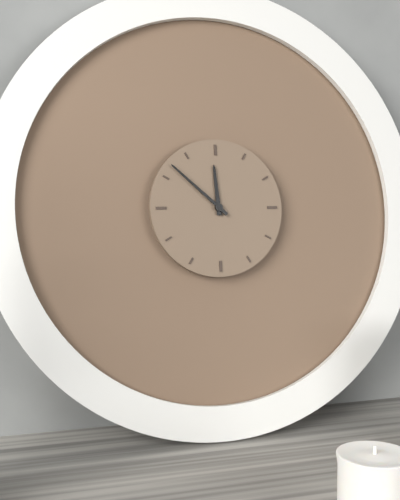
**11:52**
